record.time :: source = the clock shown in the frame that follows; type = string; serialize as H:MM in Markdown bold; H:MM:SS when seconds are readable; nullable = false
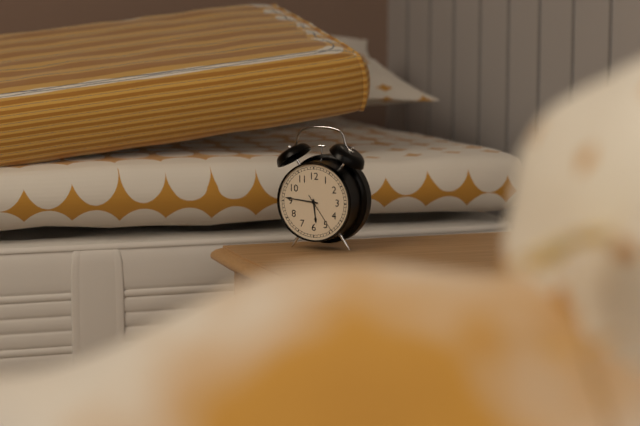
**5:46**
